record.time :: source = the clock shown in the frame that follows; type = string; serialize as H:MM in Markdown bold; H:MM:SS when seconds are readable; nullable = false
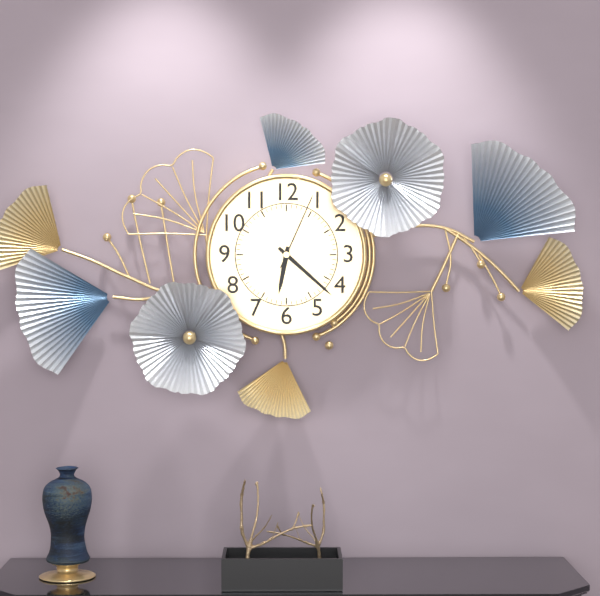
**6:22:04**
